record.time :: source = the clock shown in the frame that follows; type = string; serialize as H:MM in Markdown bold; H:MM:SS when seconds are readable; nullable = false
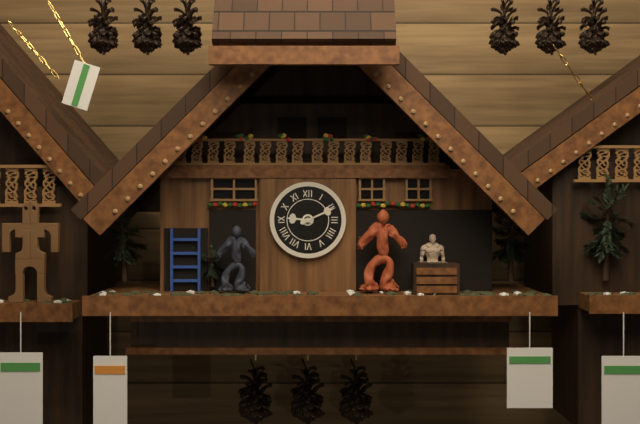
**9:11**
